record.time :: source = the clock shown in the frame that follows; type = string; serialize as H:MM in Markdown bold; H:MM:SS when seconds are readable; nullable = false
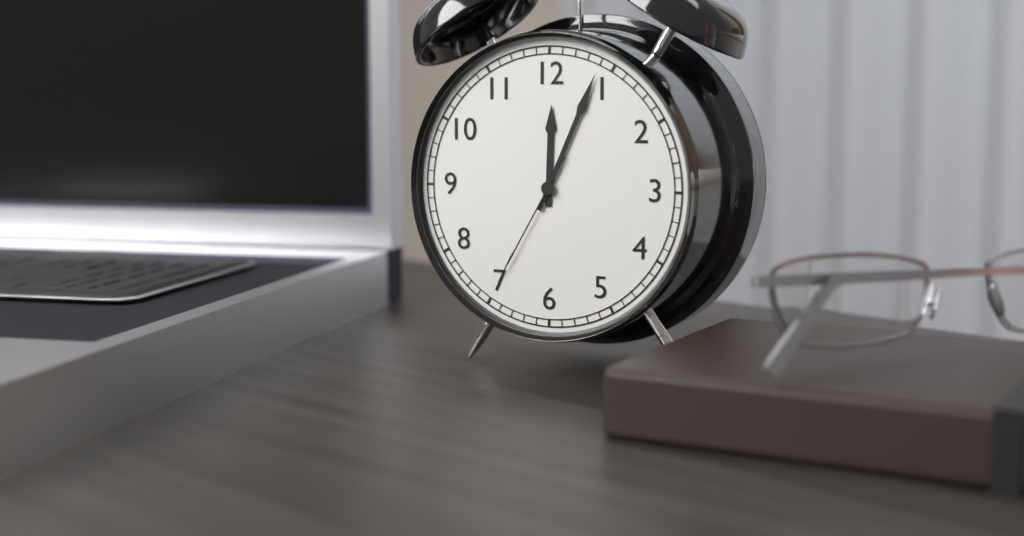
**12:04:35**
